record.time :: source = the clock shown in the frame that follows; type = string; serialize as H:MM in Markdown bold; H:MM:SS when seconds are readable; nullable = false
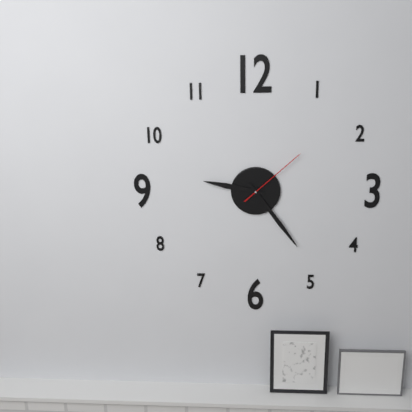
**9:24:08**
